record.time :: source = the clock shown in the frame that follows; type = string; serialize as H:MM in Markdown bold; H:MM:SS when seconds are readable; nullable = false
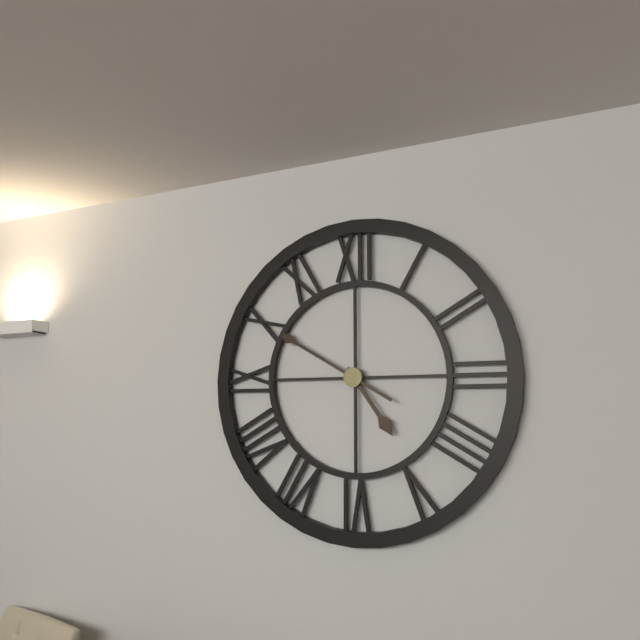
**4:50**
